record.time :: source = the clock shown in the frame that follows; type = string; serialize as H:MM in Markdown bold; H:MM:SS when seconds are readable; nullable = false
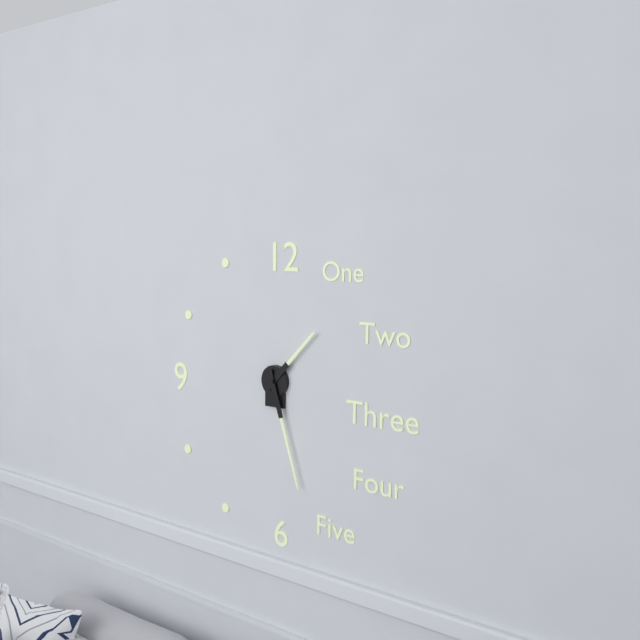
**1:27**
